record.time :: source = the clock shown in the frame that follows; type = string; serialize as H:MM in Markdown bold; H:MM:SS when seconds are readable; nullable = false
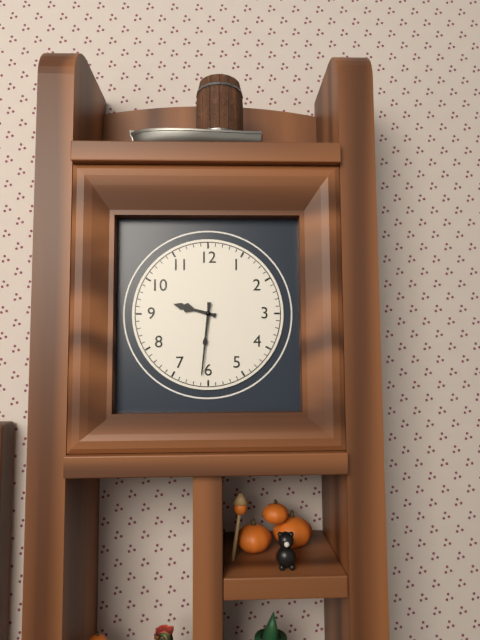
**9:31**
